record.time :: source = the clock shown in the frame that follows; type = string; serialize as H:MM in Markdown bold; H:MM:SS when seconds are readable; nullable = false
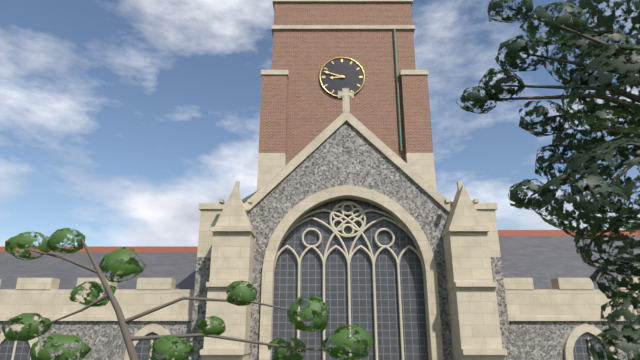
**8:48**
